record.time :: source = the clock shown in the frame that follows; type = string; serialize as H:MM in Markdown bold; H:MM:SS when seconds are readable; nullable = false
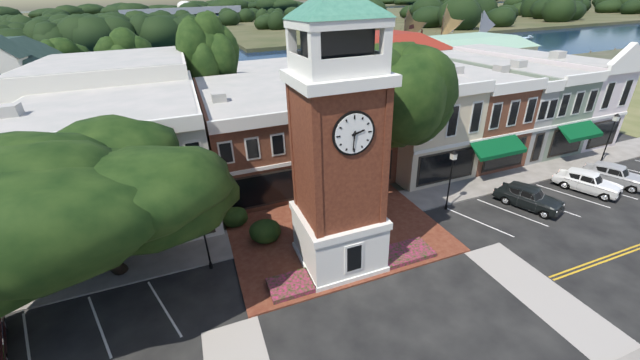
**2:31**
